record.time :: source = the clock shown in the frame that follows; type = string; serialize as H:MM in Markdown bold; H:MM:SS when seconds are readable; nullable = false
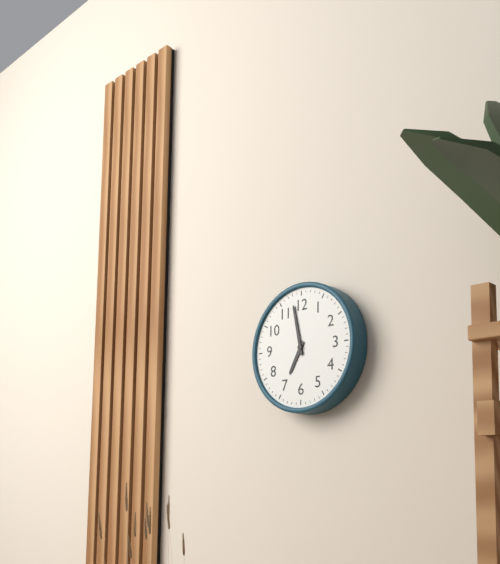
**6:58**
